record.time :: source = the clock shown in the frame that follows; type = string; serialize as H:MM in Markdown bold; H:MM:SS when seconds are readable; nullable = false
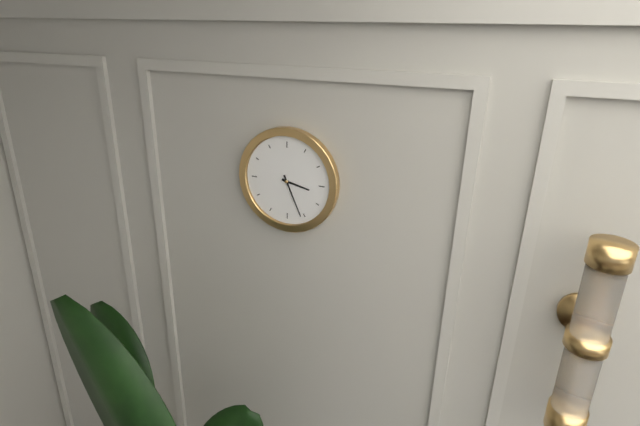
**3:26**
